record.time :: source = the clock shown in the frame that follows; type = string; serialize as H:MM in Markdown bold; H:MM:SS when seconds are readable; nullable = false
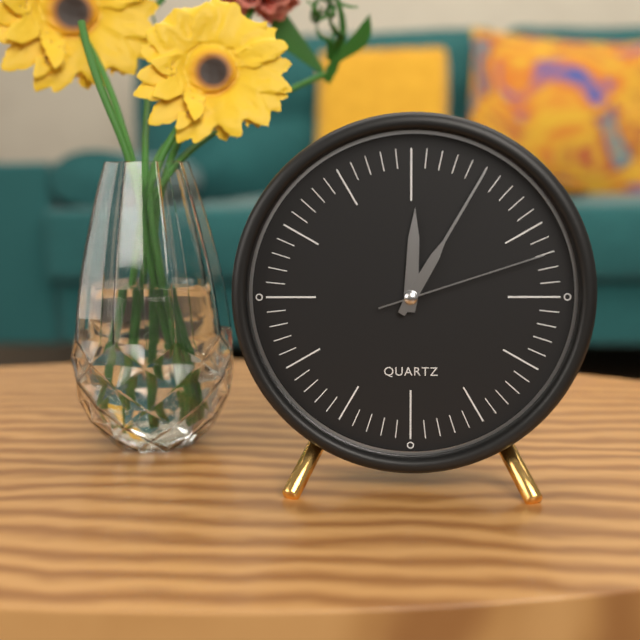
**12:05:12**
